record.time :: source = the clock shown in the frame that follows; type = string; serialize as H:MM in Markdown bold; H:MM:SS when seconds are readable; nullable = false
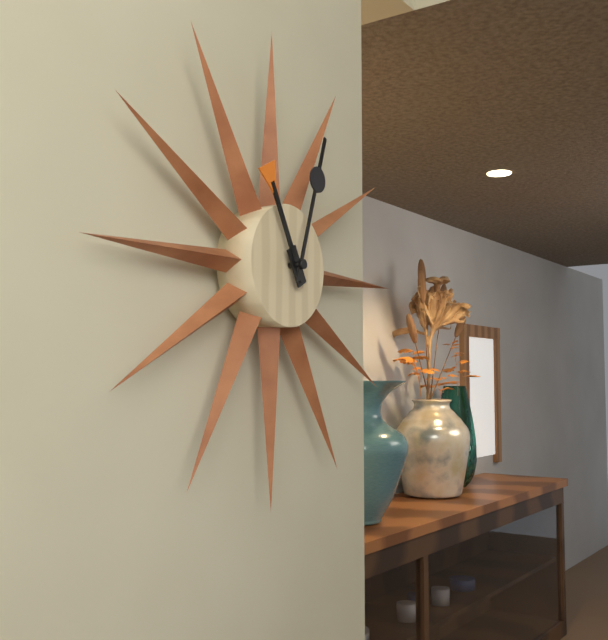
**11:03**
